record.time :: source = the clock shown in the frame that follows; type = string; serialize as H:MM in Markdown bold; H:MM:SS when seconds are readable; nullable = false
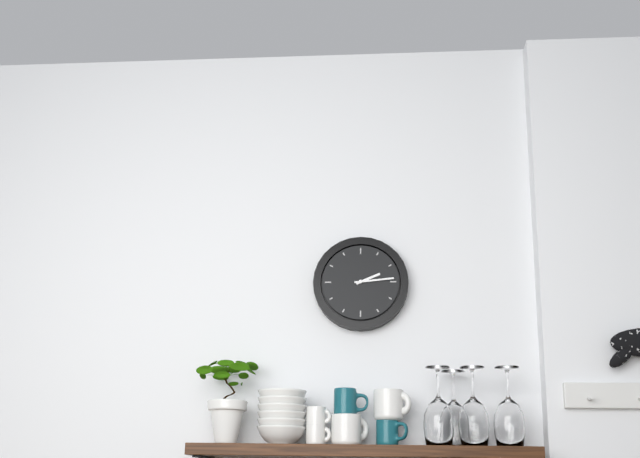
**2:14**
